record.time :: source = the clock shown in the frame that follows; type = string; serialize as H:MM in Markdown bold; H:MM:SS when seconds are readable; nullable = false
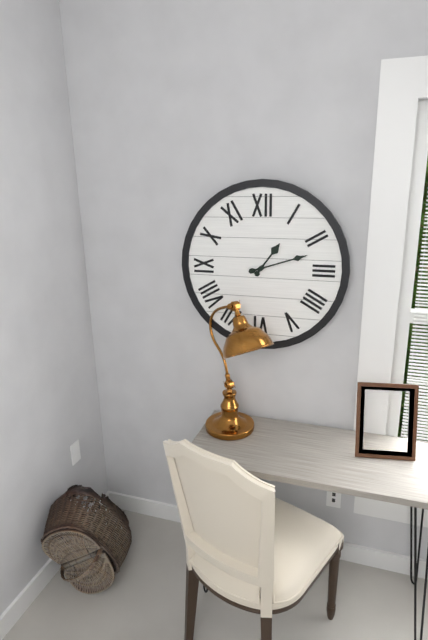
**1:12**
